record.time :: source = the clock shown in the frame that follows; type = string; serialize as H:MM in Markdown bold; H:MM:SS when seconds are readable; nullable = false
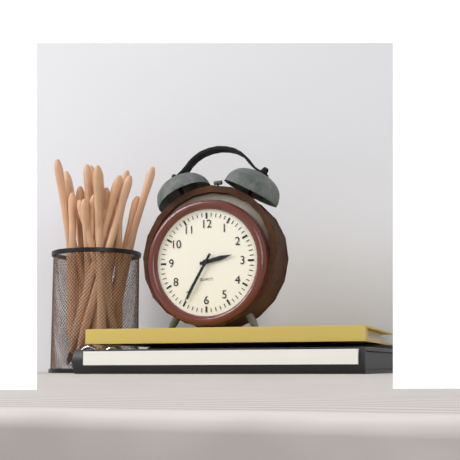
**2:35**
